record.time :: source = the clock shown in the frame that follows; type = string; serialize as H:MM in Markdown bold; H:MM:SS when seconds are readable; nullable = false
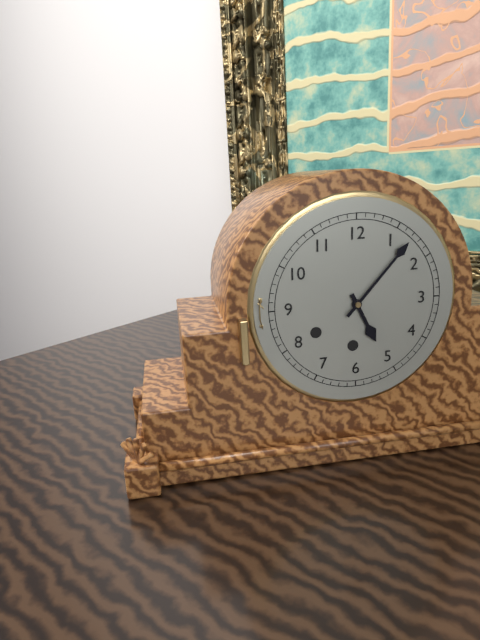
**5:07**
